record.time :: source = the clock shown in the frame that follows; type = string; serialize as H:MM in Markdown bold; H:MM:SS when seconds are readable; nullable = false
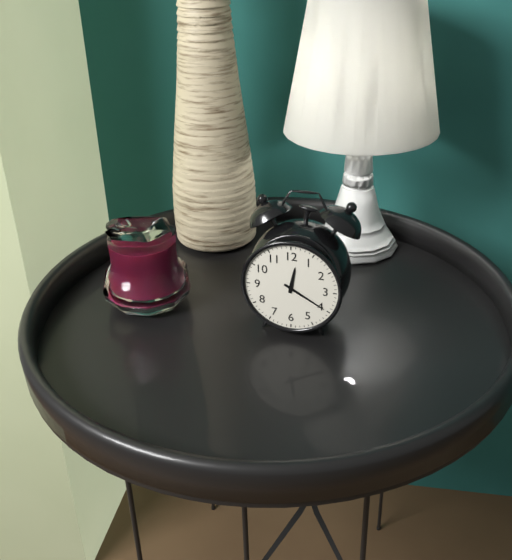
**12:20**
